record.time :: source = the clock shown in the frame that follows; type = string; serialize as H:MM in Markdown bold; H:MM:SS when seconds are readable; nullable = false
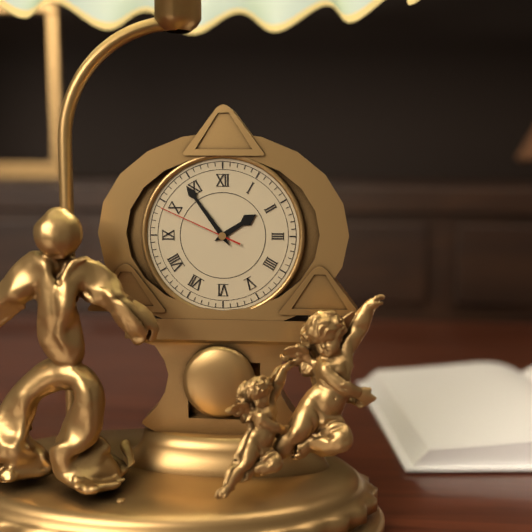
**1:54:49**
